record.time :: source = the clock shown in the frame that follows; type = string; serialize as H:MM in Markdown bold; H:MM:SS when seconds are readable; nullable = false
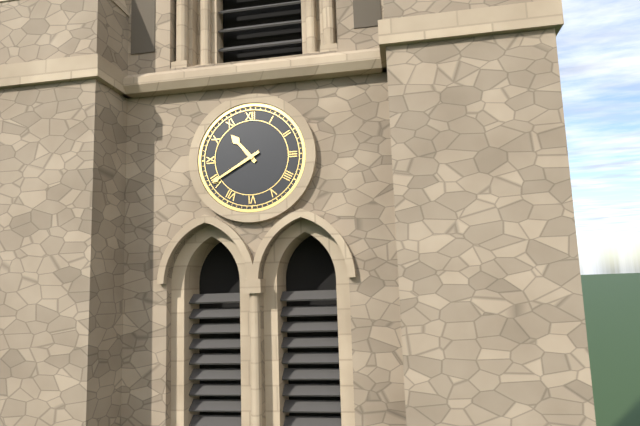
**10:40**
